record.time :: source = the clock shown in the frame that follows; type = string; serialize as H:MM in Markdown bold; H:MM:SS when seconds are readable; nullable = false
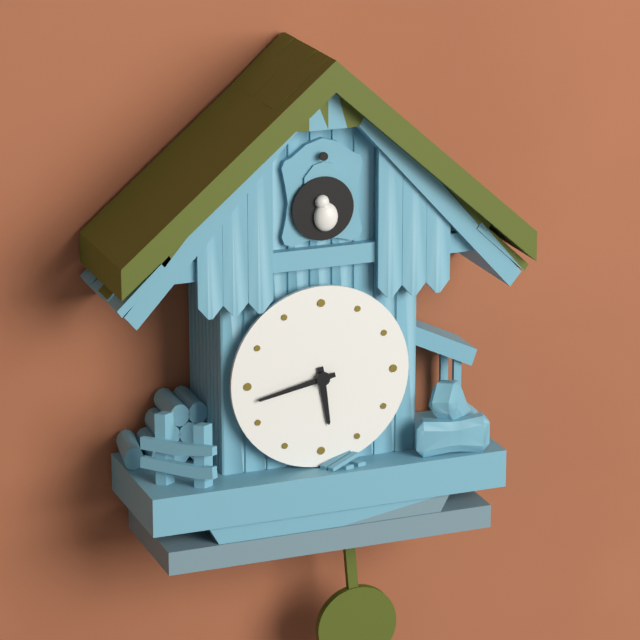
**5:43**
